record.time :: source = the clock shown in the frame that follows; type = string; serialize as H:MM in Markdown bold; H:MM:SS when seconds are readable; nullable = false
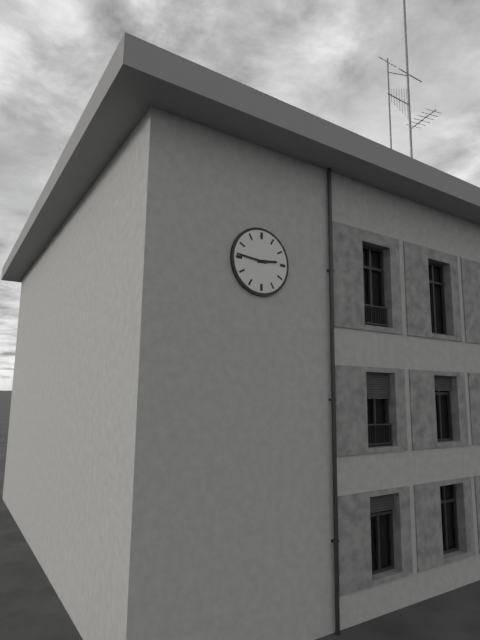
**2:46**
